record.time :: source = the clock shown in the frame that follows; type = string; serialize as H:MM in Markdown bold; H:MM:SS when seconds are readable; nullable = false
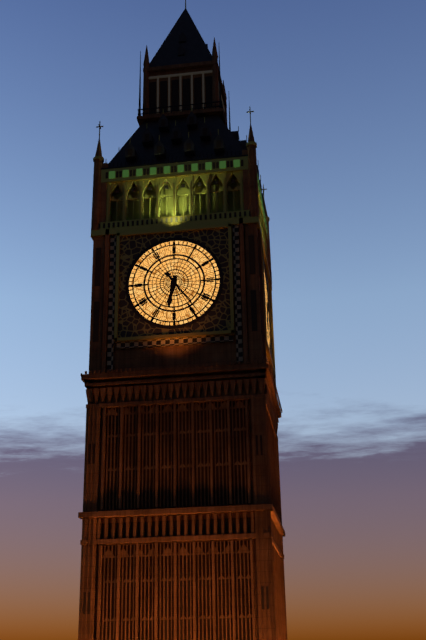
**6:24**
